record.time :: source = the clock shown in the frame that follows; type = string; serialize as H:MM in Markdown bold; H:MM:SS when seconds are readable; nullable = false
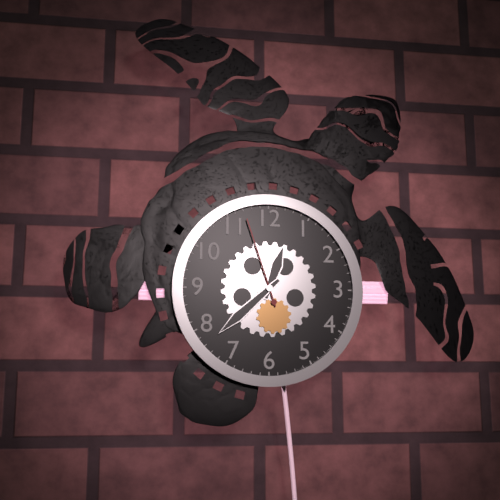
**12:38:57**
